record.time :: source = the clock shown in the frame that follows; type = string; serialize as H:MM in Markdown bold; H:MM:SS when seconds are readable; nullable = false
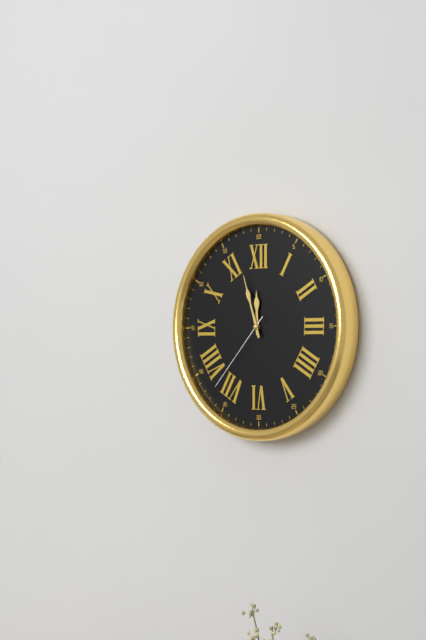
**11:57:37**
